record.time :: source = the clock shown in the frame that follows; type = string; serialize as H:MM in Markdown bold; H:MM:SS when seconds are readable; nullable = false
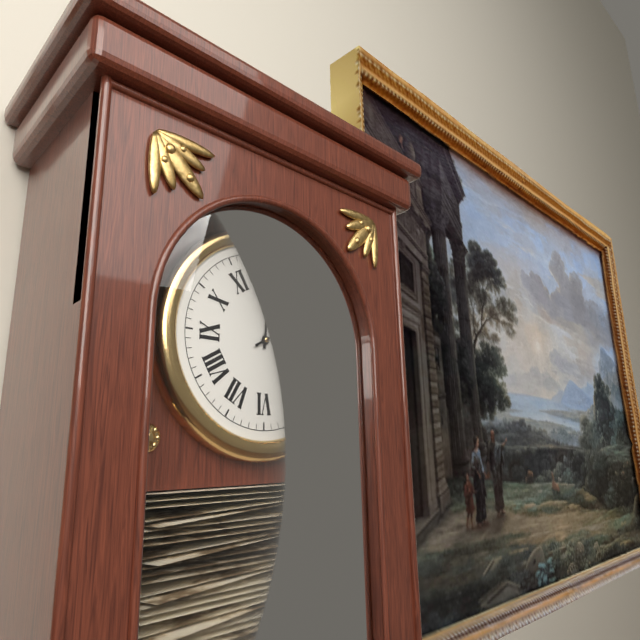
**12:10**
